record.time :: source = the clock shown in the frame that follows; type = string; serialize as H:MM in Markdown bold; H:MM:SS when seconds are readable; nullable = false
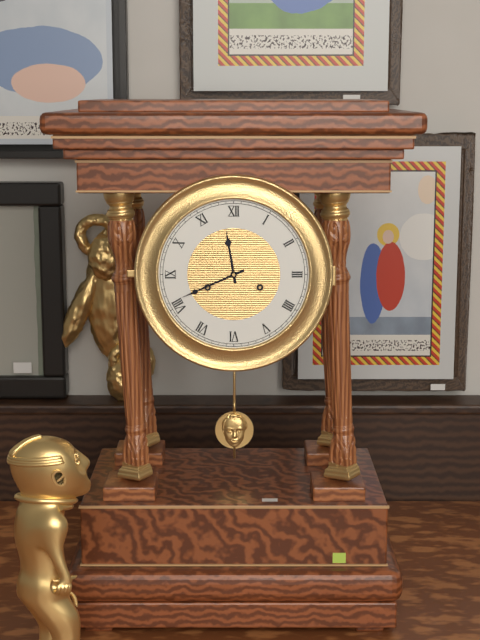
**11:41**
